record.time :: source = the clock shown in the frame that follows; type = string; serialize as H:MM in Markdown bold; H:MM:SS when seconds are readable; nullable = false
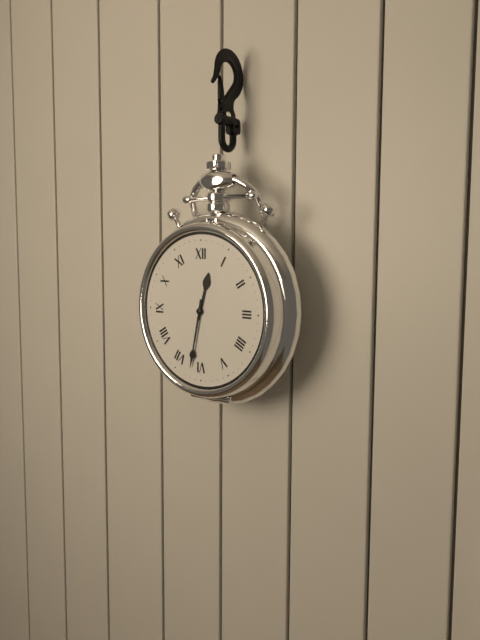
**12:32**
